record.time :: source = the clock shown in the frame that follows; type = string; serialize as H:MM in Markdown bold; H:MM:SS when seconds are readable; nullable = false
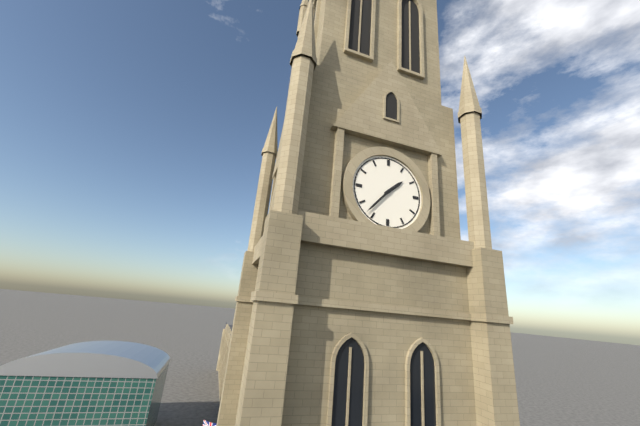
**1:37**
